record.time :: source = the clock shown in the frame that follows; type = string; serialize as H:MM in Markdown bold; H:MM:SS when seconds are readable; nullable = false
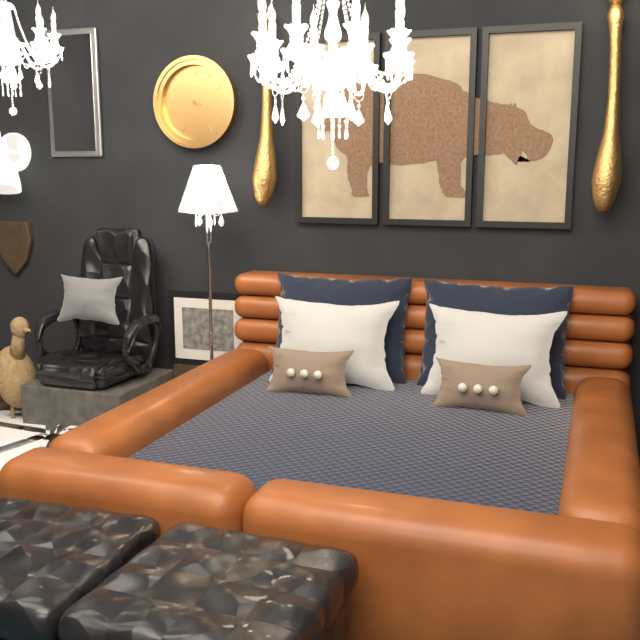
**9:49**
